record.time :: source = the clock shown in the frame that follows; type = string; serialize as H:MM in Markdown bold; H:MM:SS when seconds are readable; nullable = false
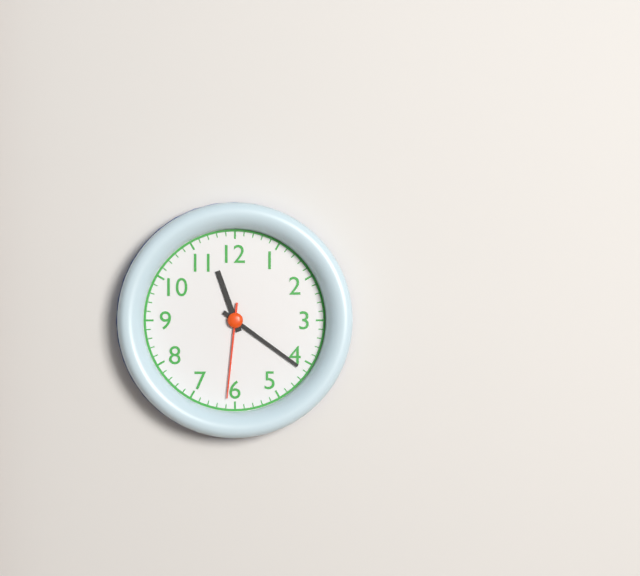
**11:21:31**
